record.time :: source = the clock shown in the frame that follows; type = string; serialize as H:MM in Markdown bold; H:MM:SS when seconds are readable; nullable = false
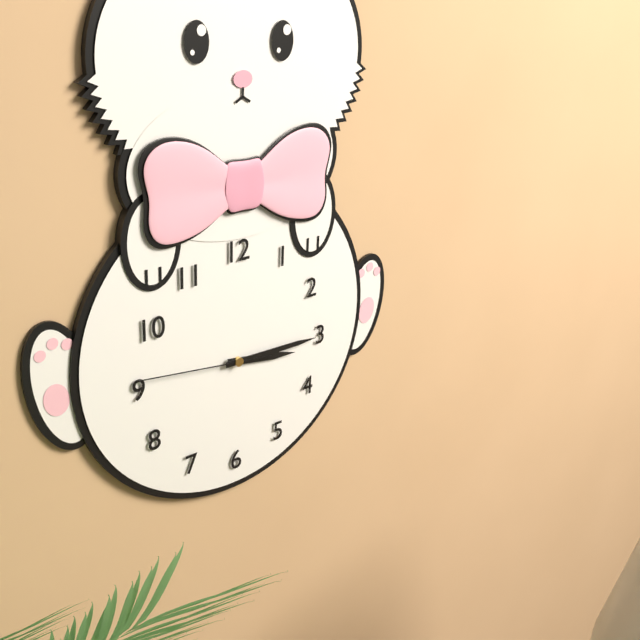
**3:15:46**
